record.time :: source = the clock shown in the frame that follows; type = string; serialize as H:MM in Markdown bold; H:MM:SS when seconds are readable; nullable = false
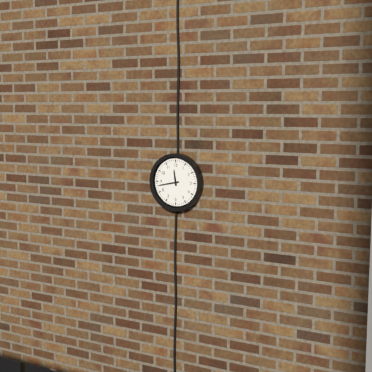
**11:43**
